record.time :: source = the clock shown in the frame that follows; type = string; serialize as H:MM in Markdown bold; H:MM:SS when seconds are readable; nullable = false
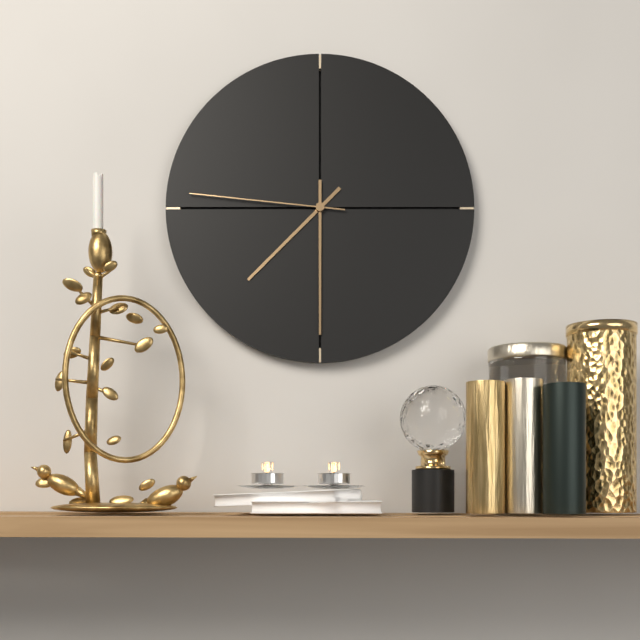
**7:30:46**
